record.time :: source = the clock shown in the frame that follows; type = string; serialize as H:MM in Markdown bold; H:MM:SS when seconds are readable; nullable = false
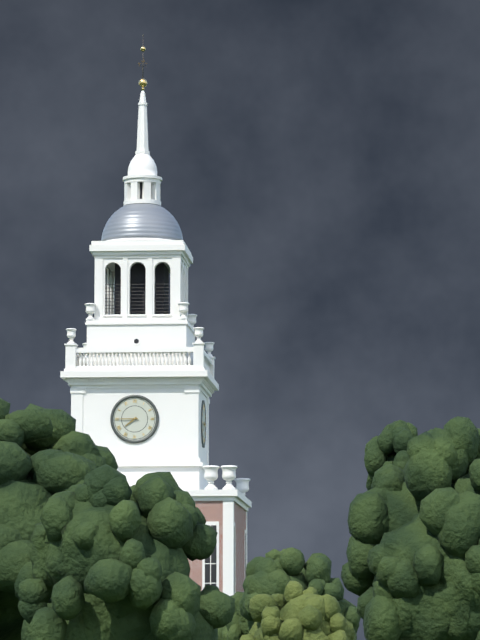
**7:45**
